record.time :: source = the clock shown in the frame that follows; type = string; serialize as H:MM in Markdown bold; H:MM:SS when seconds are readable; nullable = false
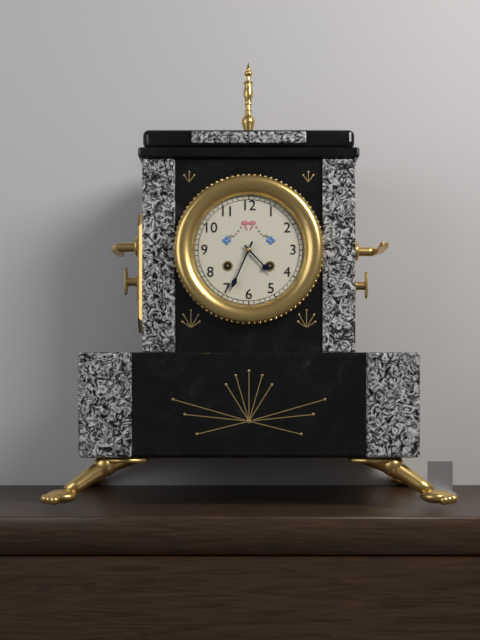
**4:34**
